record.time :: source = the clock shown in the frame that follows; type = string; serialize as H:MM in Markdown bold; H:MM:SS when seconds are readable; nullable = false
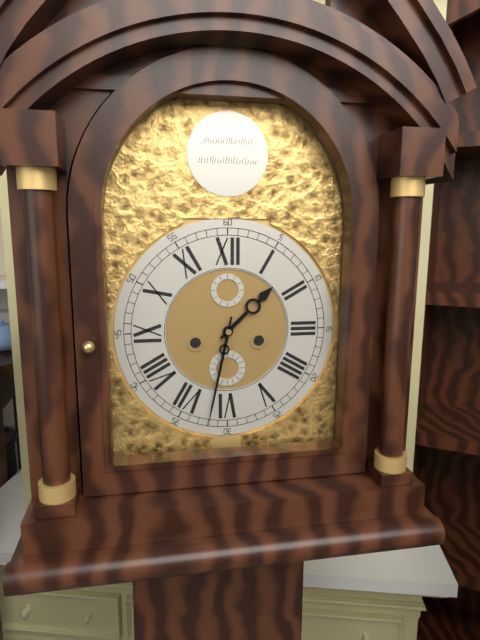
**1:32**
